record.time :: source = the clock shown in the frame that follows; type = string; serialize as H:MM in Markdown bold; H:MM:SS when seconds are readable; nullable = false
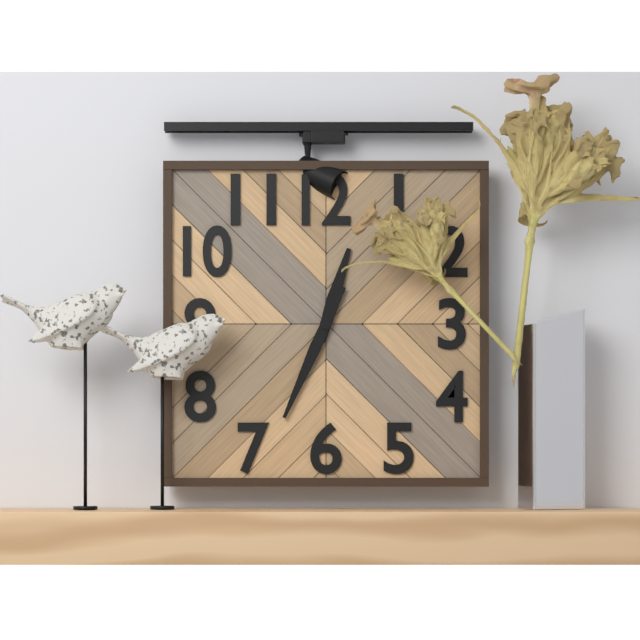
**12:34**
